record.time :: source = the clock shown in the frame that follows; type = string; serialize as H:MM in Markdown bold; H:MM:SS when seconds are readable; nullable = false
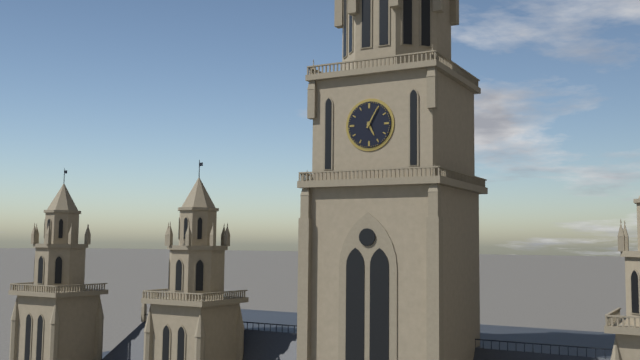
**5:05**
